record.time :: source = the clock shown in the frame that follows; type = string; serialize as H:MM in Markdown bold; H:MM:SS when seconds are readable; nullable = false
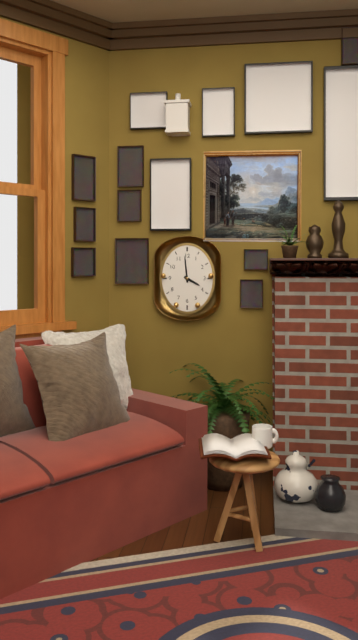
**3:59**
